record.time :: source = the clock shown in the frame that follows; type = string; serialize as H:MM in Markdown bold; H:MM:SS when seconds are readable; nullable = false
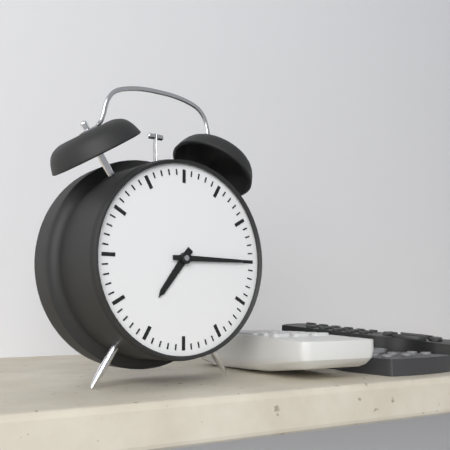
**7:15**
